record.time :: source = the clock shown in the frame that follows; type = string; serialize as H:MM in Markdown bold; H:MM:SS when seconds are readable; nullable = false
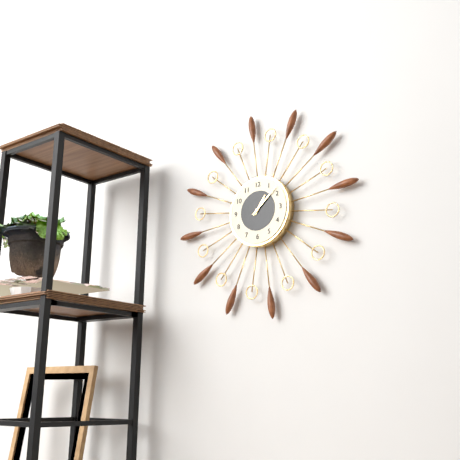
**1:08**
